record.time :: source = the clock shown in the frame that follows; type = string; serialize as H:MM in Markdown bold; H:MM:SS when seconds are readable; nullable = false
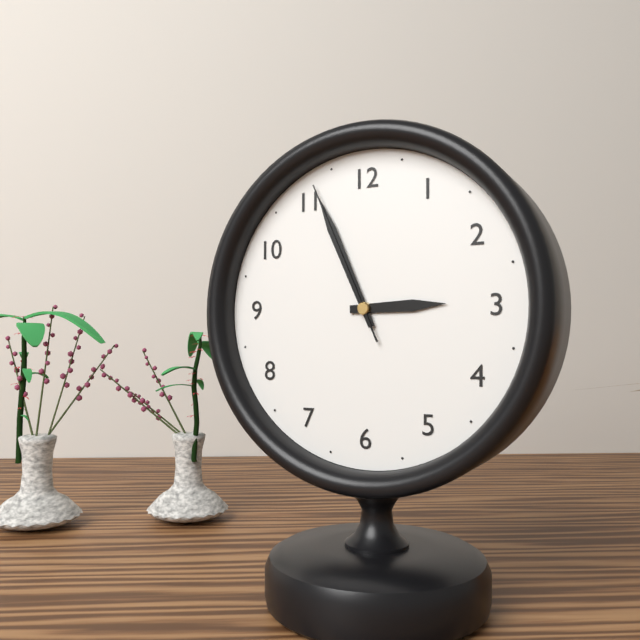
**2:56:56**
